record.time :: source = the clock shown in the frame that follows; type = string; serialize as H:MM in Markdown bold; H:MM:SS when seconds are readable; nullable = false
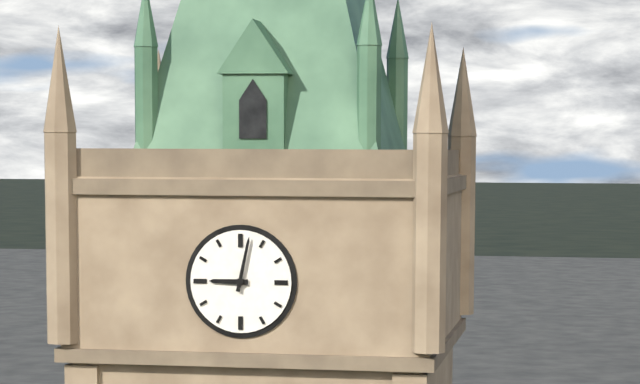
**9:02**
